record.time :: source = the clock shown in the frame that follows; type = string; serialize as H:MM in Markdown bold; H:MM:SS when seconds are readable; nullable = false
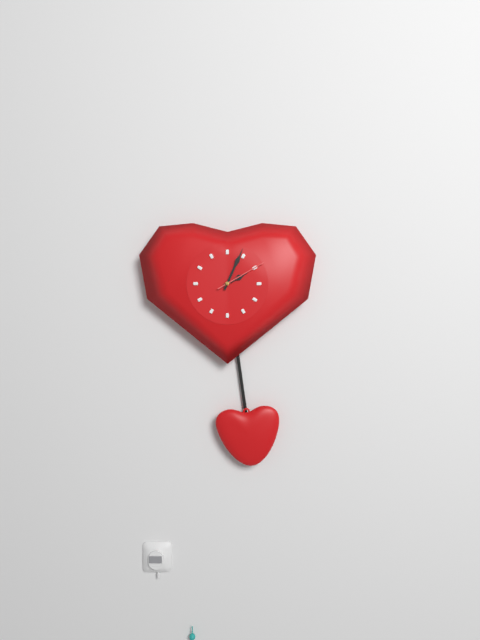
**2:04:10**
